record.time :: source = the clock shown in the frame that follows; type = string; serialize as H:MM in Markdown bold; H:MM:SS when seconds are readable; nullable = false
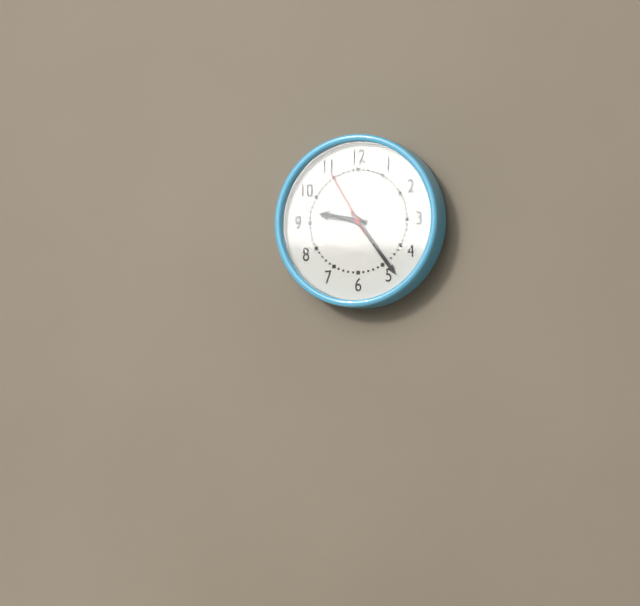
**9:24:55**
